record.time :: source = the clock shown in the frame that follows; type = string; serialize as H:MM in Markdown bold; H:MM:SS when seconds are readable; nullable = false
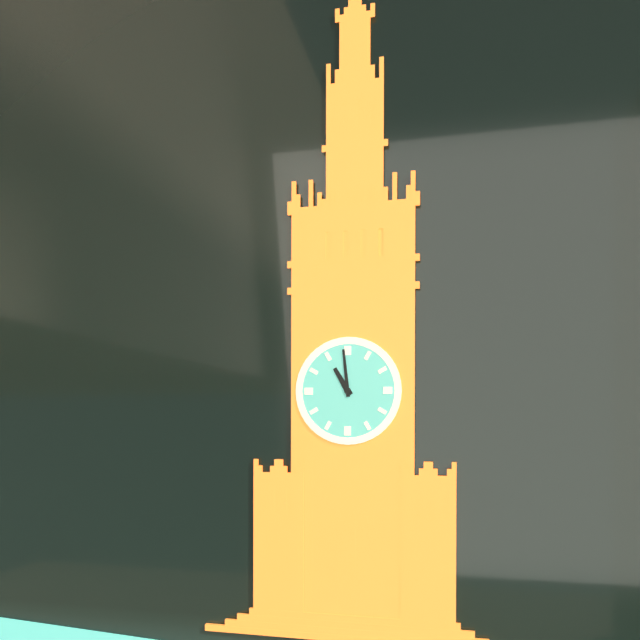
**10:59**
